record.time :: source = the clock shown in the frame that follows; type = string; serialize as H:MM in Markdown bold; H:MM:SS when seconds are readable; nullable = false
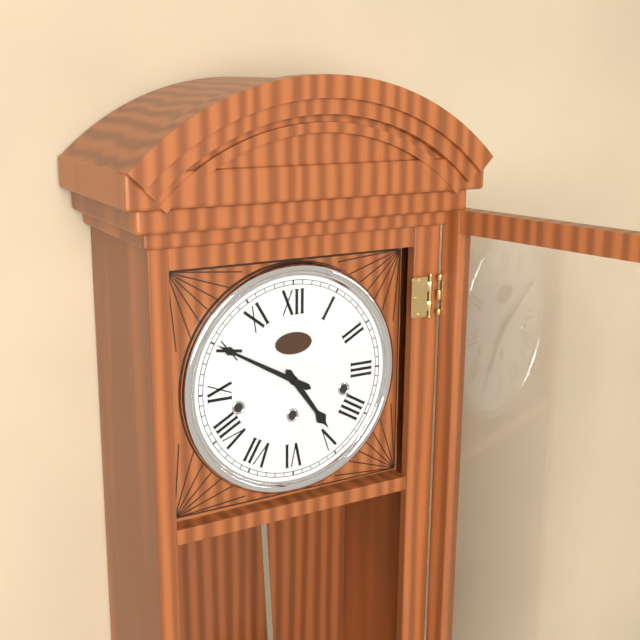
**4:50**
